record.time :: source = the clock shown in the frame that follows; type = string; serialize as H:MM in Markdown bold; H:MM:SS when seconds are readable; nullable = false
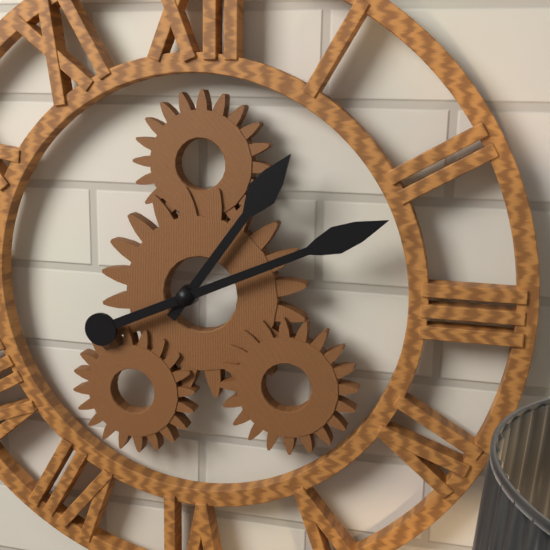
**1:11**
